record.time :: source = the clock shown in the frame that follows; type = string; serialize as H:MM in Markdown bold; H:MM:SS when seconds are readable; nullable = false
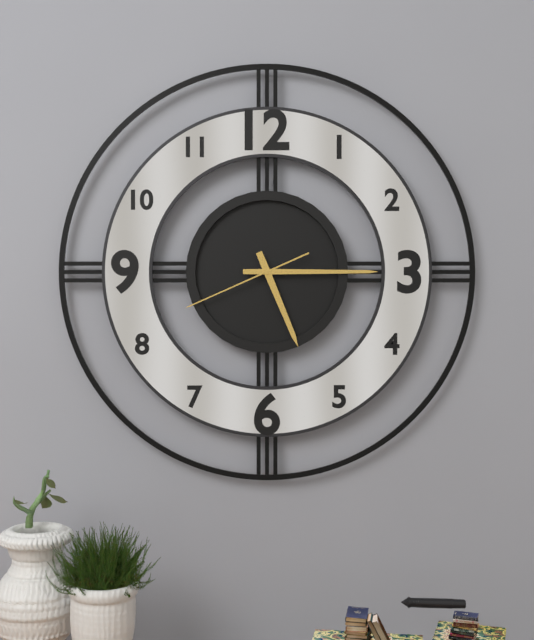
**5:15:41**
